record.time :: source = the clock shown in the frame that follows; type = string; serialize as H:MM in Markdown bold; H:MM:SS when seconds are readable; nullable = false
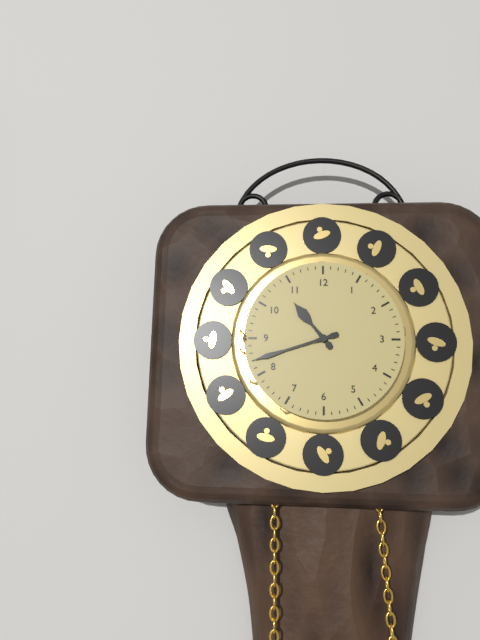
**10:42**
